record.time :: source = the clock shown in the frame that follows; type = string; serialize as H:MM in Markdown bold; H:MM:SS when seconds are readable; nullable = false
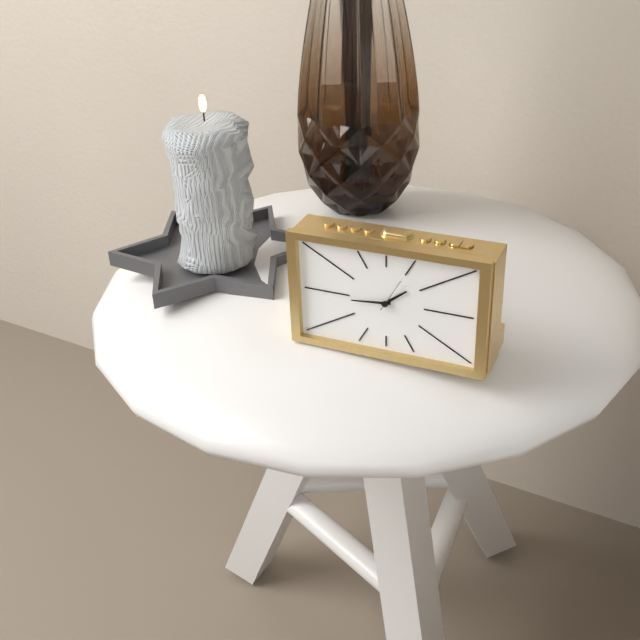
**1:44**
